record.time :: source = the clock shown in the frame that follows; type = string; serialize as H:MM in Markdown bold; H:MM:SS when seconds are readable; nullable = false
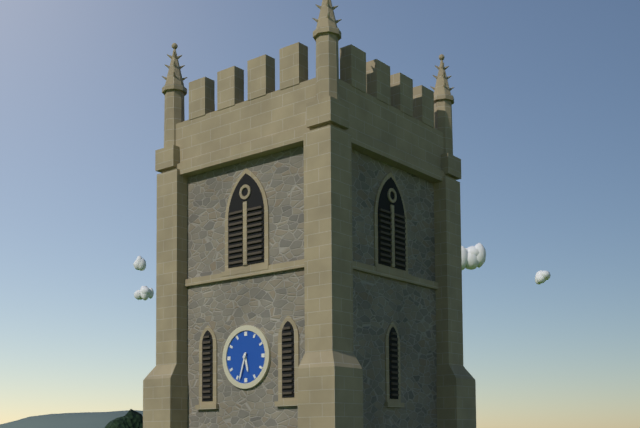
**5:33**
